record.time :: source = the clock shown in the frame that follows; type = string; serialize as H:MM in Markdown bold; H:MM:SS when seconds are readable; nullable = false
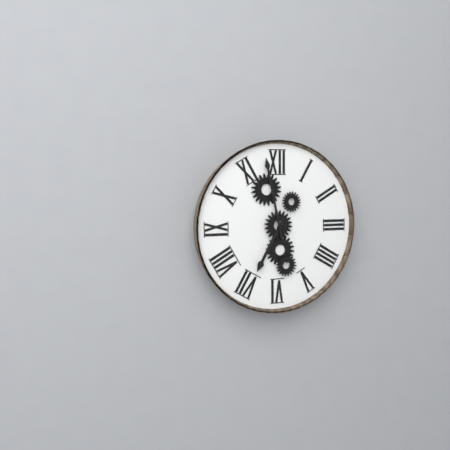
**6:58**
